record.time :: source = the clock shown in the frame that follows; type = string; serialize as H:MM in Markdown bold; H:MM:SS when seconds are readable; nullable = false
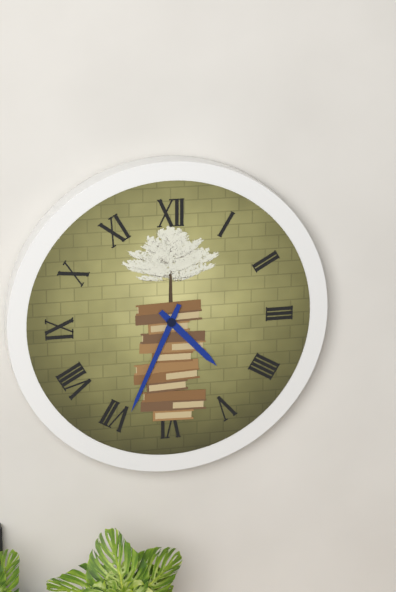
**4:34**
